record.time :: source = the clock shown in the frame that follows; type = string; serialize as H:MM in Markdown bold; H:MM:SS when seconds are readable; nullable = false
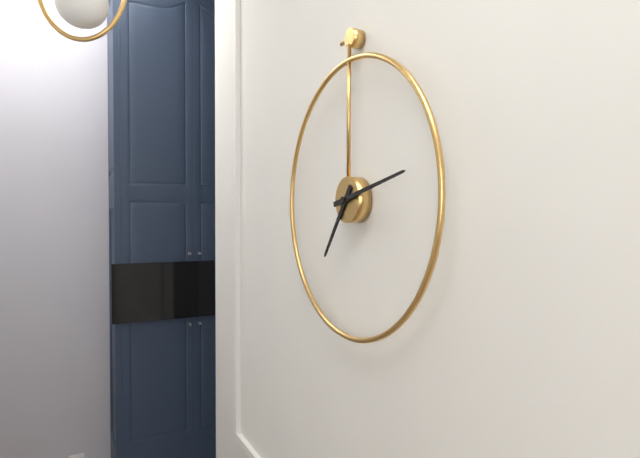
**7:13**
